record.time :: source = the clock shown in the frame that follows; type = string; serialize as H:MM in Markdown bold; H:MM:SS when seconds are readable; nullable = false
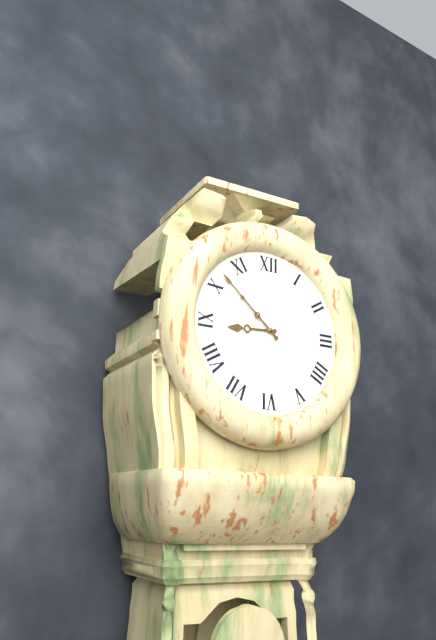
**8:52**
